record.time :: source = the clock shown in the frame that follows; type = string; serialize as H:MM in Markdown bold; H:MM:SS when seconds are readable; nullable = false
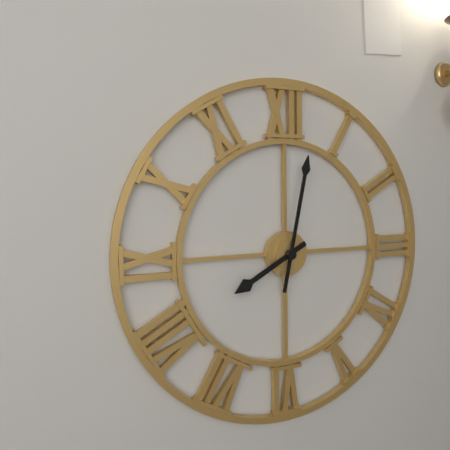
**8:02**
